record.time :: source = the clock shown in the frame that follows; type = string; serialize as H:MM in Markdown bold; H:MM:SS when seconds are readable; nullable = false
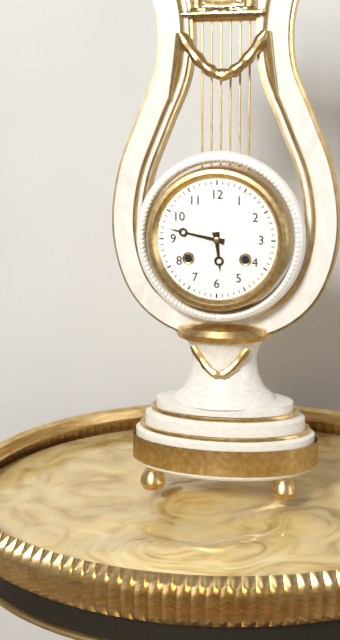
**5:47**
